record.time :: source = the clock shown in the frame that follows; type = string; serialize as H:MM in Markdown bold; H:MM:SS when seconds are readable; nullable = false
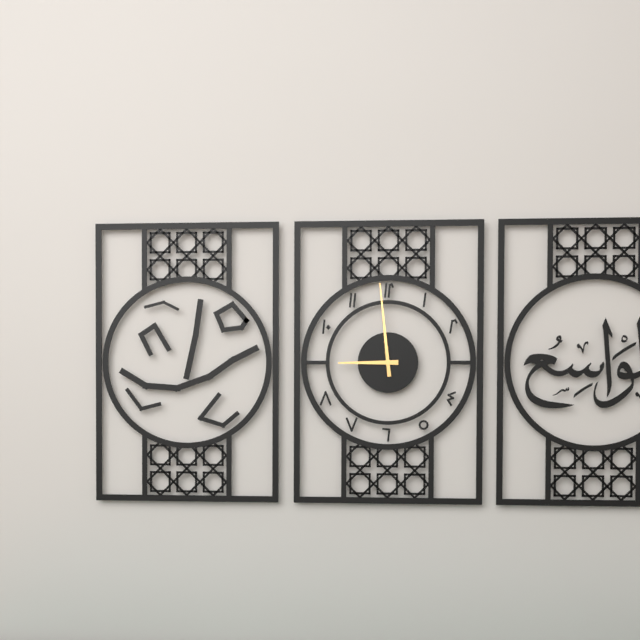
**8:59**
